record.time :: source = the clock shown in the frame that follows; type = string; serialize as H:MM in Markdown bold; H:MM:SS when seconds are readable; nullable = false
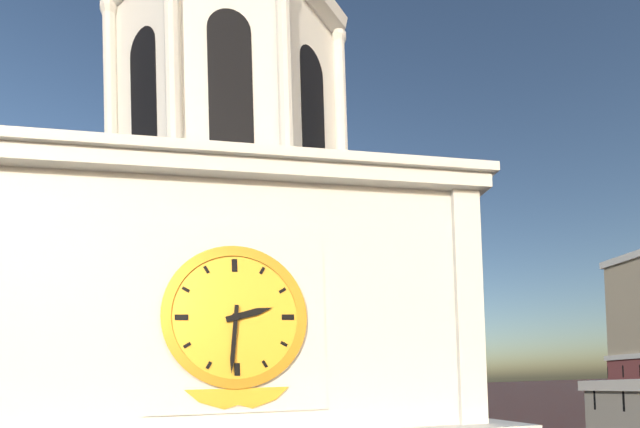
**2:31**
